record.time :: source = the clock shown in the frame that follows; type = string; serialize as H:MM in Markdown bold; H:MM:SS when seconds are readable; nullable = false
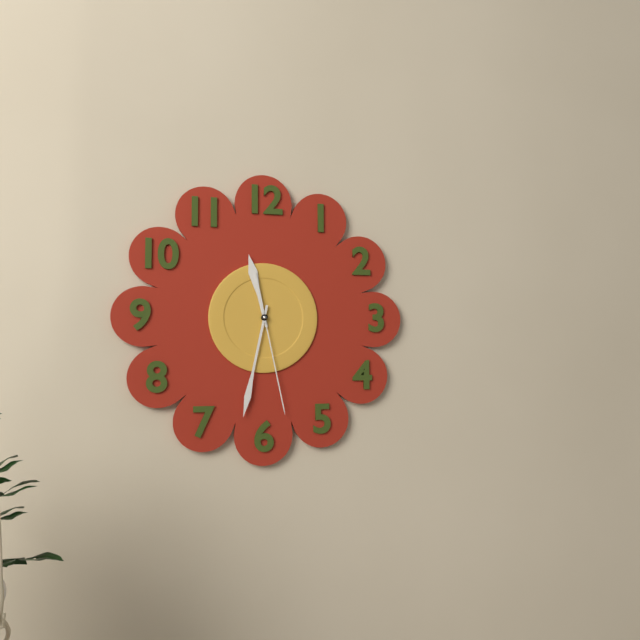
**11:32:28**
